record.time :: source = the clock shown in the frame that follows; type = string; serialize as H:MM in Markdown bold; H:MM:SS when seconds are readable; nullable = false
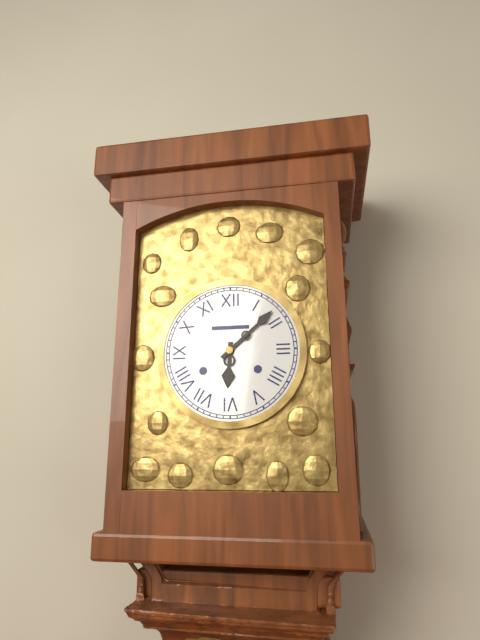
**6:08**
